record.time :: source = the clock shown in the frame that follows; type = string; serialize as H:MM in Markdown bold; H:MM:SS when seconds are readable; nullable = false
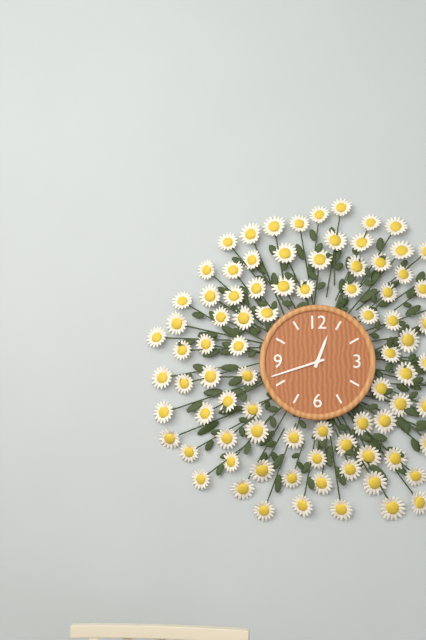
**12:42**
